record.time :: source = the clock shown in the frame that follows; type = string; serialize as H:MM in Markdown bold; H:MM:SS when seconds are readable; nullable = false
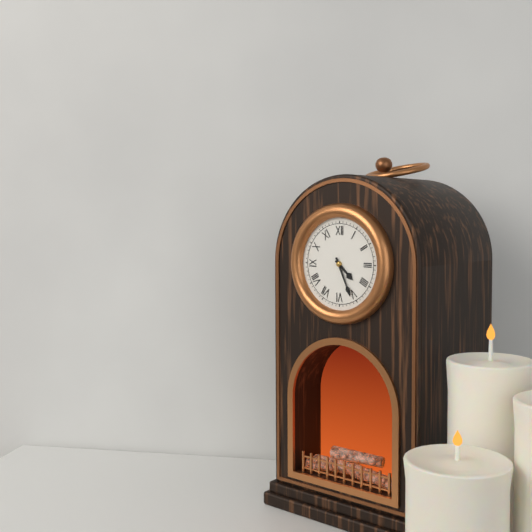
**4:26**
